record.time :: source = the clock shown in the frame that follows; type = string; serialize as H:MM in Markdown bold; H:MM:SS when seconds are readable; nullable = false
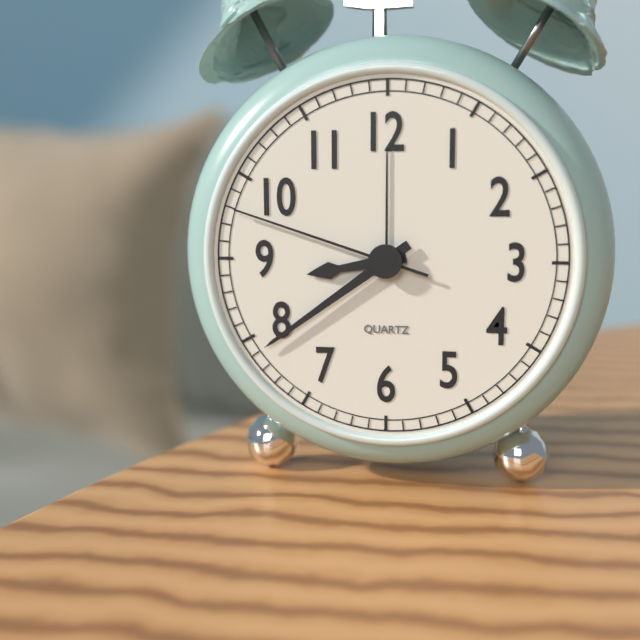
**8:39:48**
